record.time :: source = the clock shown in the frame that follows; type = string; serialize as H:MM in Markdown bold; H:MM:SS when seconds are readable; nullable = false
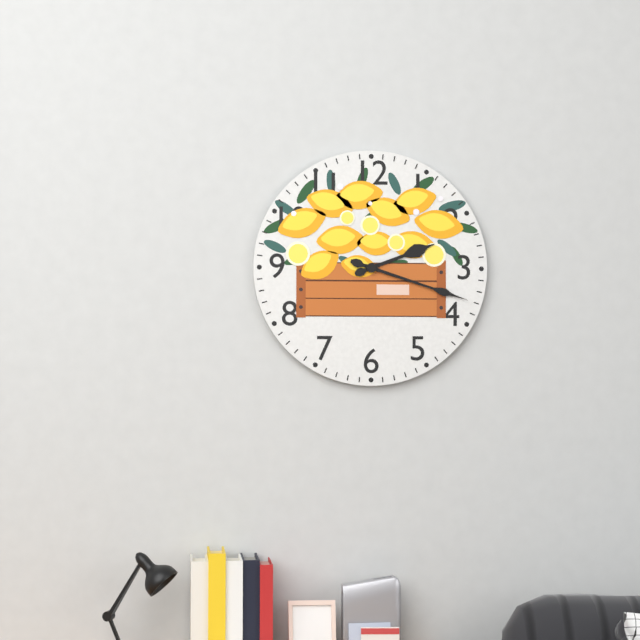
**2:18**
